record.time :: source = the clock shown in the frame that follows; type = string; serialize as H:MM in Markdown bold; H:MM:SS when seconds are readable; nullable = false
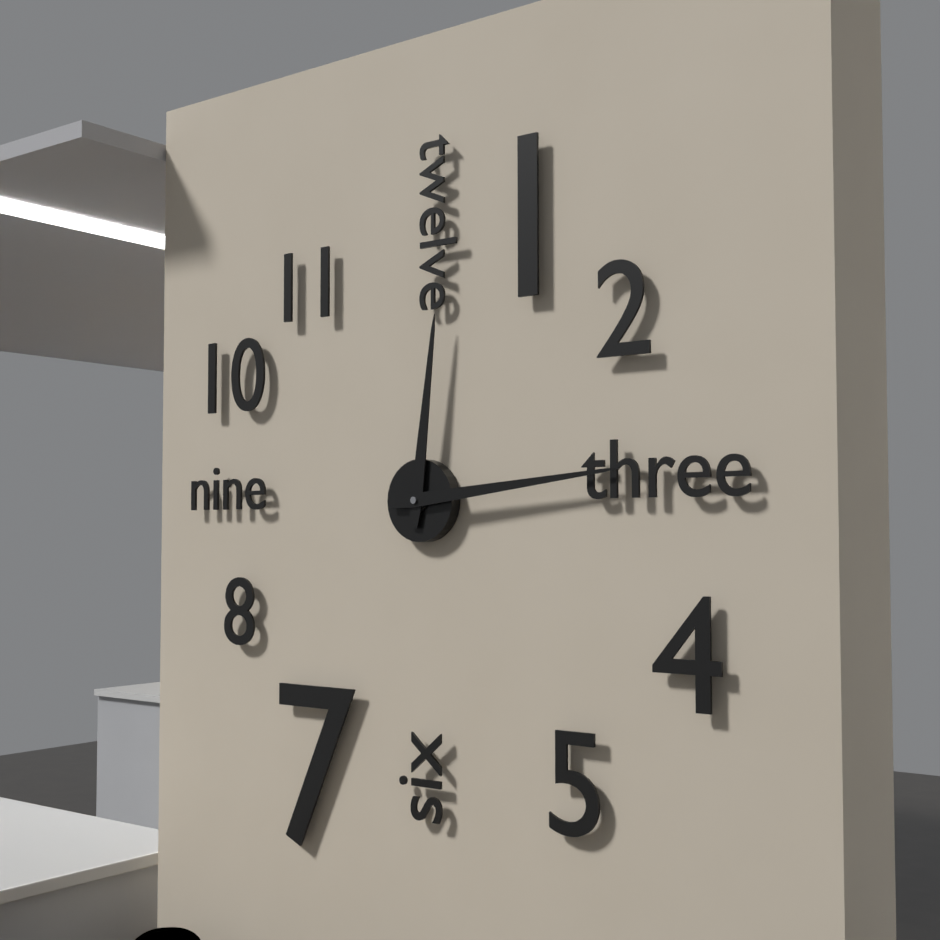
**12:14**
